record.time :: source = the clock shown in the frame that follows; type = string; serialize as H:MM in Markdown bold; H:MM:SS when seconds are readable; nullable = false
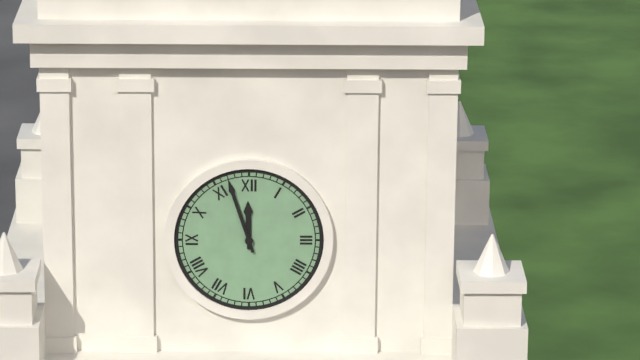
**11:57**
